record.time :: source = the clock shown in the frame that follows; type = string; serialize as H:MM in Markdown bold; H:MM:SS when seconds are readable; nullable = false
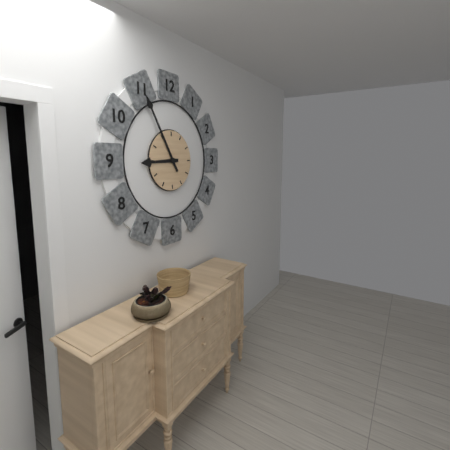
**8:55**
